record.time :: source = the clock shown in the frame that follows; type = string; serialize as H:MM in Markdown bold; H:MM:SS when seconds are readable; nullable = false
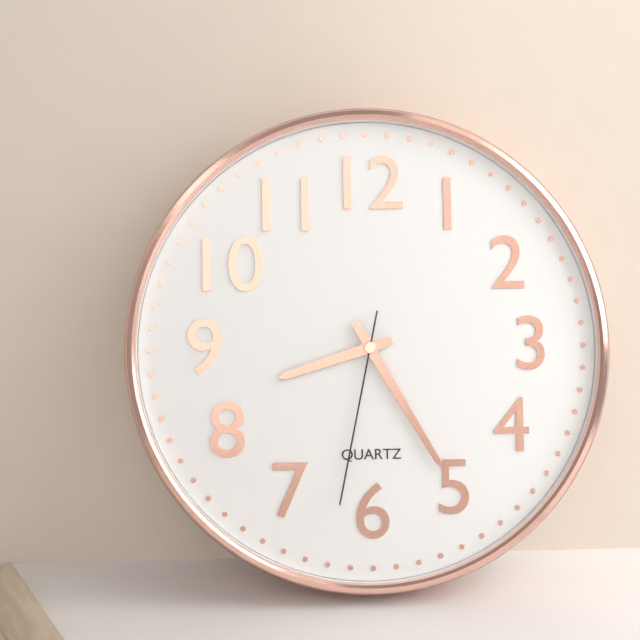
**8:25:32**
